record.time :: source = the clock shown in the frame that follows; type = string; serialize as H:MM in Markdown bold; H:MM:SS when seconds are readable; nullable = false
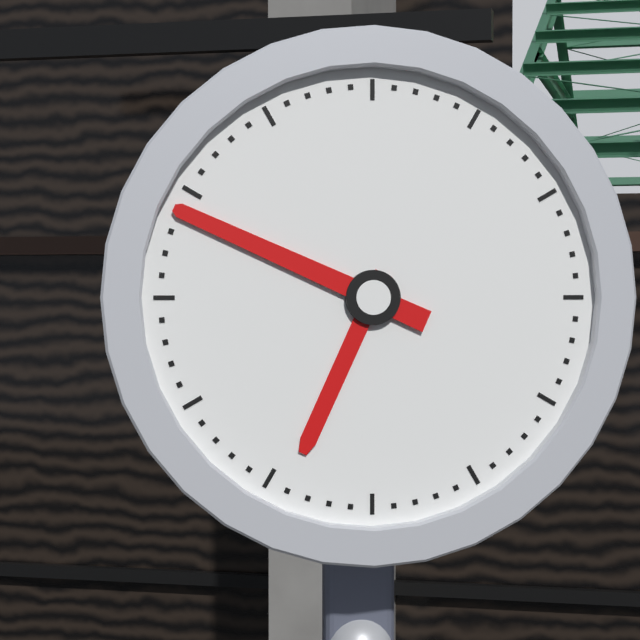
**6:49**
